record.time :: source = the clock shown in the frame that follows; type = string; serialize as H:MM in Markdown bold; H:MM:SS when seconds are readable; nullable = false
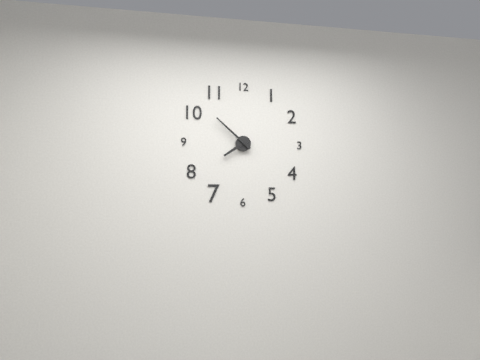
**7:52**
